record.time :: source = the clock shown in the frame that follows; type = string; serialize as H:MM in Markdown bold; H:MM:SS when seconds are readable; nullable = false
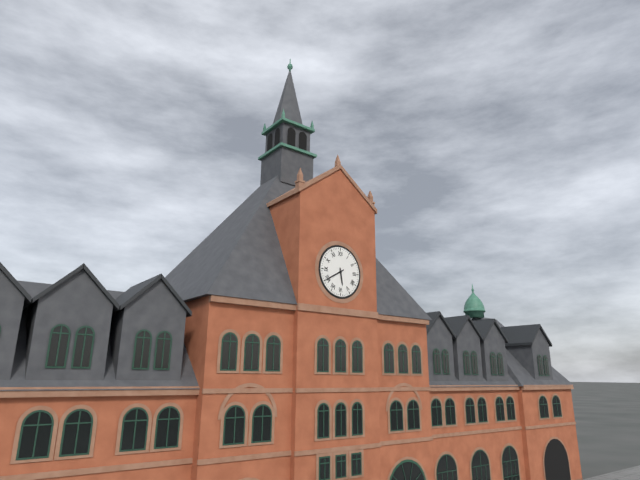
**5:40**
